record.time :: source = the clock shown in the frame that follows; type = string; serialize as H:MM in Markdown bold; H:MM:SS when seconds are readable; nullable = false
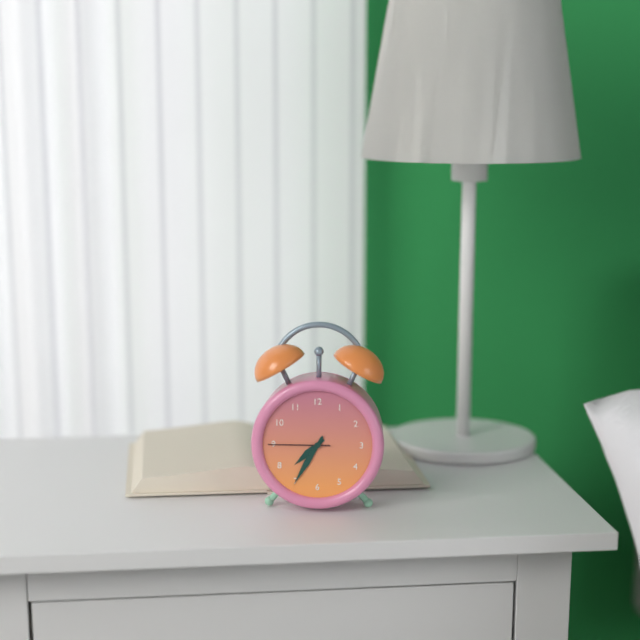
**7:35:45**
